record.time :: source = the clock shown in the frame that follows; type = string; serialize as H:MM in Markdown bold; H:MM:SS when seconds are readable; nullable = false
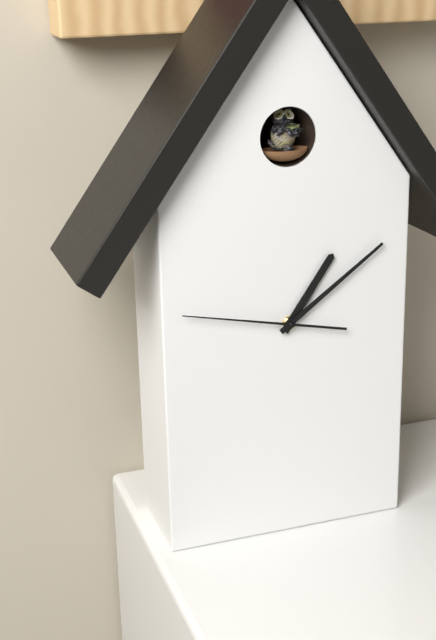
**1:09:47**
